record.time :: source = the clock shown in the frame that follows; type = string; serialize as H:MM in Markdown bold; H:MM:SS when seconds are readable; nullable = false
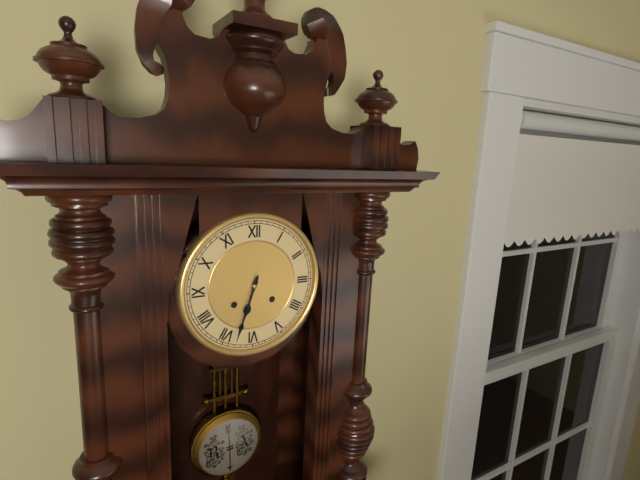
**6:33**
